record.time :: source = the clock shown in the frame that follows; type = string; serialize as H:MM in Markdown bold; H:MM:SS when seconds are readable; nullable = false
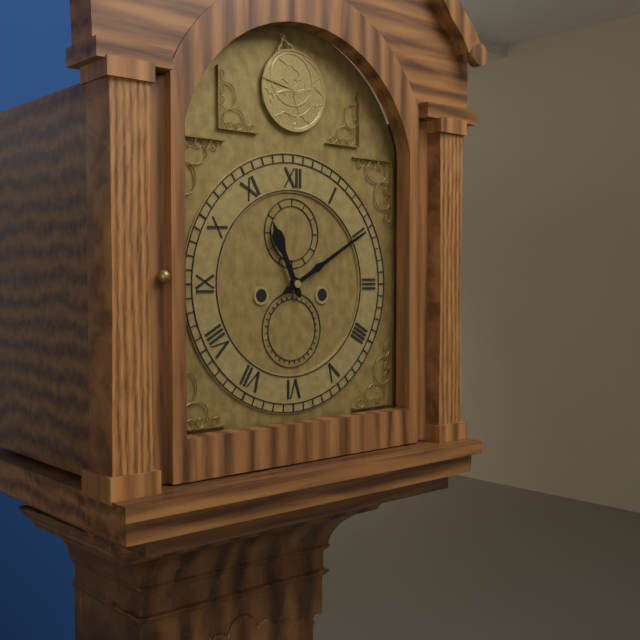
**11:10**
